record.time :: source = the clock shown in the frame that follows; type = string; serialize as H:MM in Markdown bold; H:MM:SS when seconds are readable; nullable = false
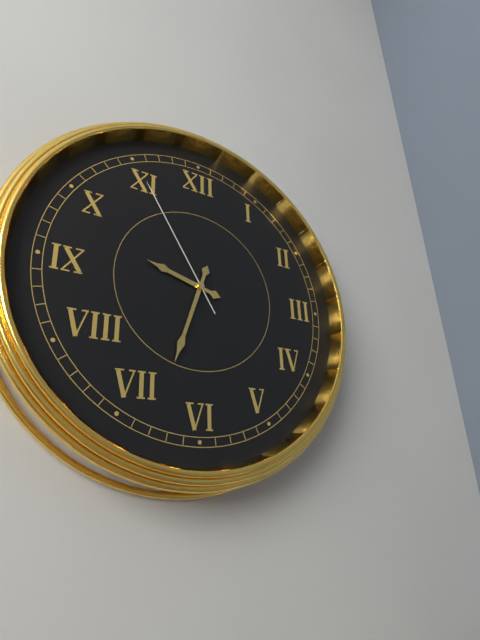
**9:33:55**
